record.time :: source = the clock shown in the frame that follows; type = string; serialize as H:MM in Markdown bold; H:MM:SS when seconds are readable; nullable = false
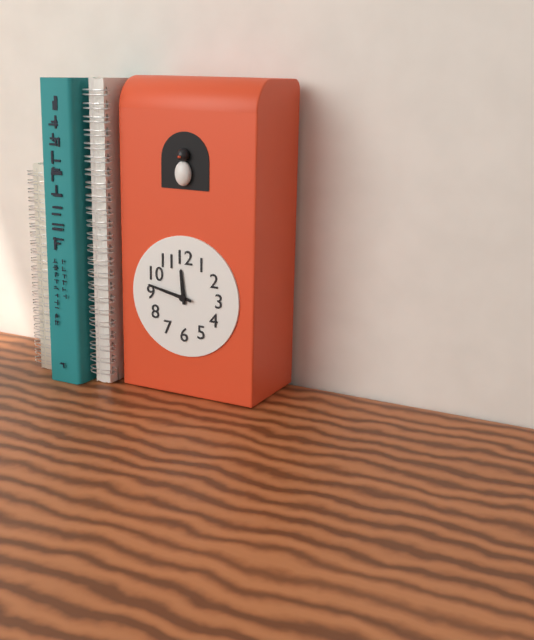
**11:47**
